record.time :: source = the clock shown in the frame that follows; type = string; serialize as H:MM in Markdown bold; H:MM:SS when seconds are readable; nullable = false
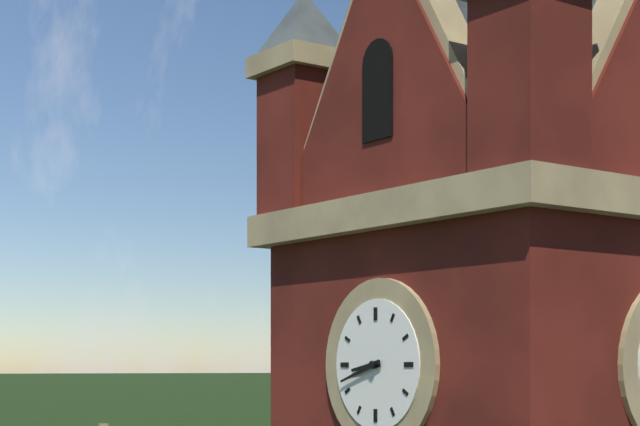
**8:42**
